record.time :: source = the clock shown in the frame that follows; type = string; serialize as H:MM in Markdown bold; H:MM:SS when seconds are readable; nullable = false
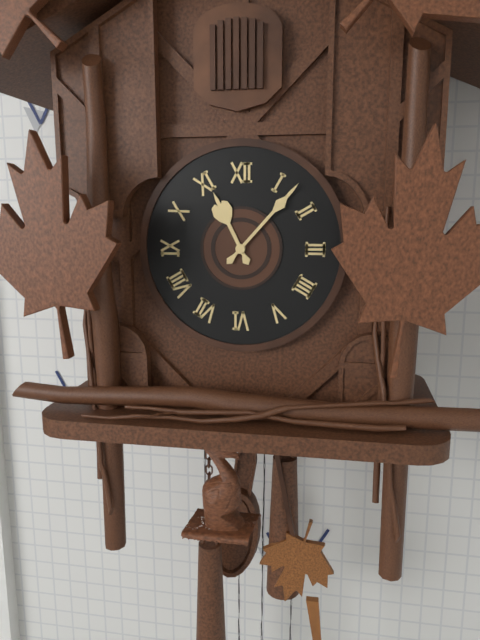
**11:07**
